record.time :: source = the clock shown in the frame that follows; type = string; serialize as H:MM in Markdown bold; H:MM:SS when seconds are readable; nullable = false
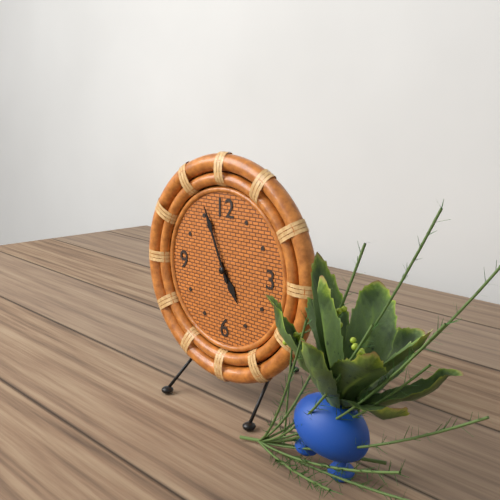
**4:56**
